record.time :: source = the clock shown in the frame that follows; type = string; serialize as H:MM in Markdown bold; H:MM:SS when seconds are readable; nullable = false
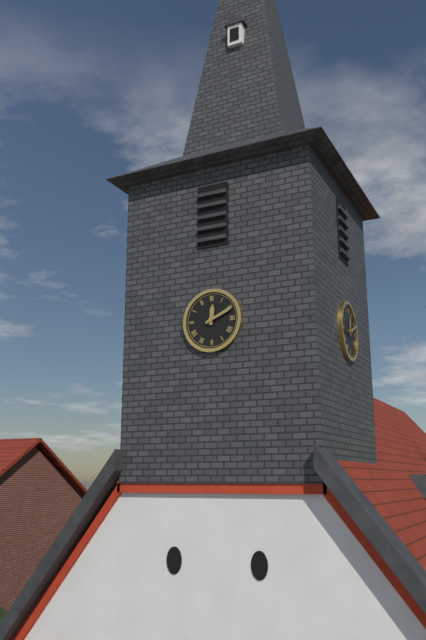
**12:11**
